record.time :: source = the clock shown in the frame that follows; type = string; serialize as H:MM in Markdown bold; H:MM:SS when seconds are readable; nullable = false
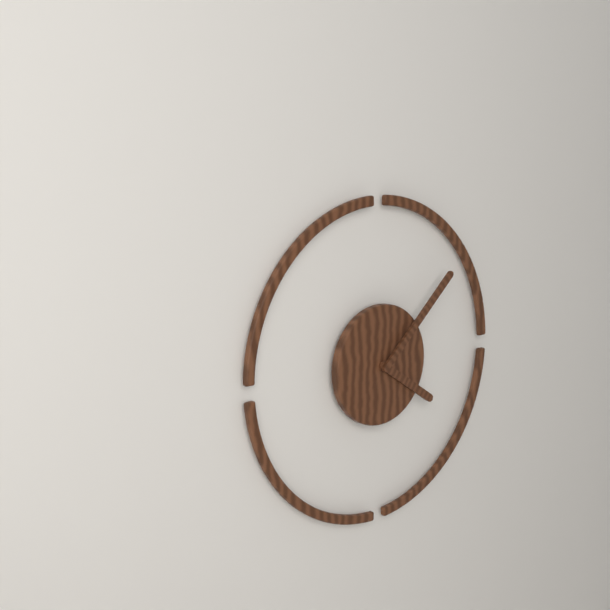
**4:08**
